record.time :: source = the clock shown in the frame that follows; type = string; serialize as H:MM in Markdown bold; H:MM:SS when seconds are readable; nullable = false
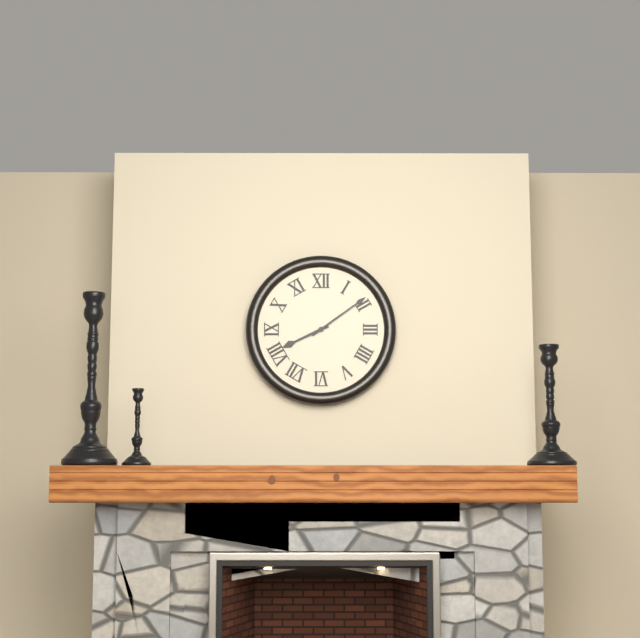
**8:09**
